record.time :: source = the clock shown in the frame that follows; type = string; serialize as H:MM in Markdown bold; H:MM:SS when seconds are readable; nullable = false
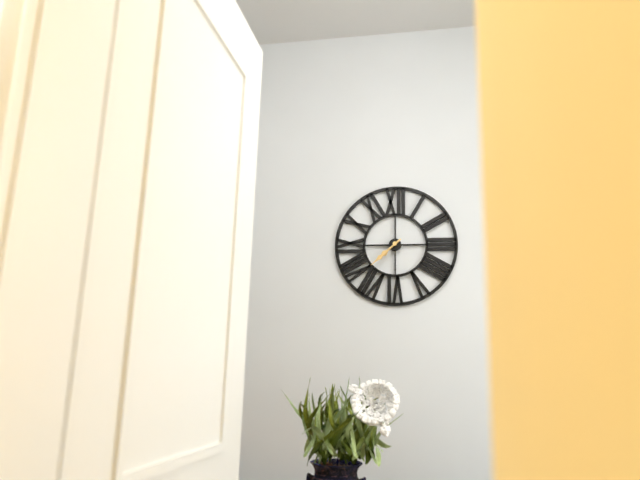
**7:38**
